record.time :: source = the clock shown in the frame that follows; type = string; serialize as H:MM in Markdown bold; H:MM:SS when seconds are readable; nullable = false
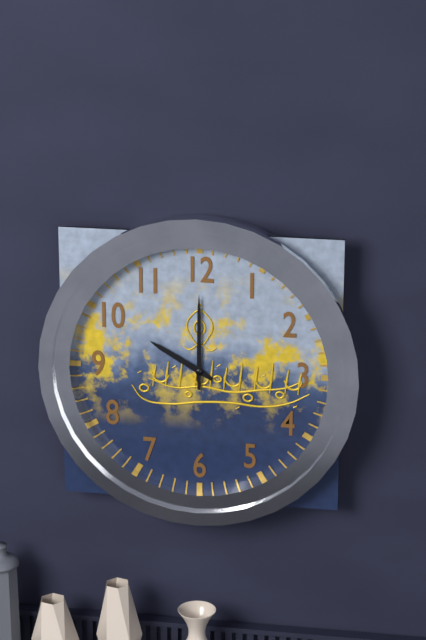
**10:00**
